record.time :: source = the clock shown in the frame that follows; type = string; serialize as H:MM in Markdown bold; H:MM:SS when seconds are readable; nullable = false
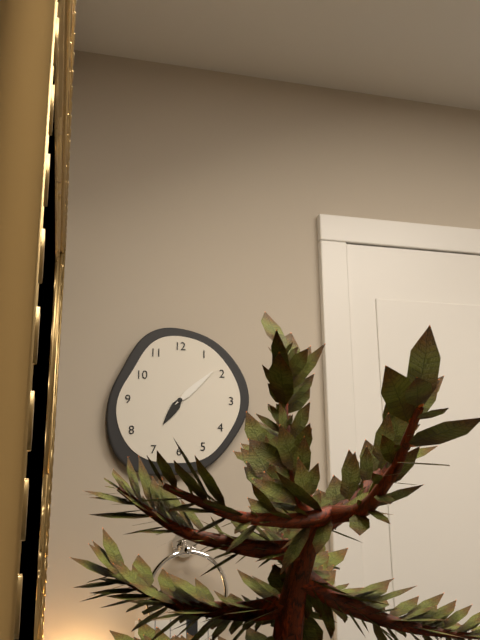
**7:08**
